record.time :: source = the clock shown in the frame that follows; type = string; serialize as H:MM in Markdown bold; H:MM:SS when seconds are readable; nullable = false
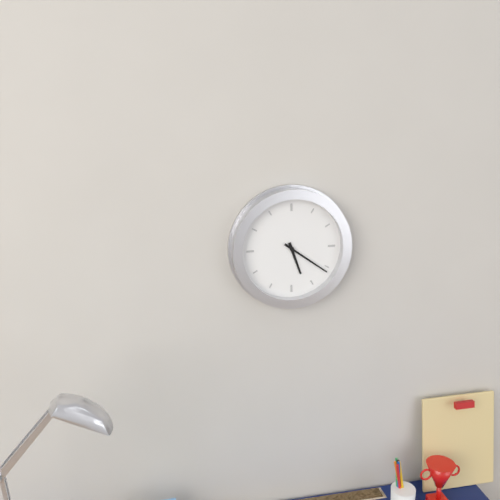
**5:21**
